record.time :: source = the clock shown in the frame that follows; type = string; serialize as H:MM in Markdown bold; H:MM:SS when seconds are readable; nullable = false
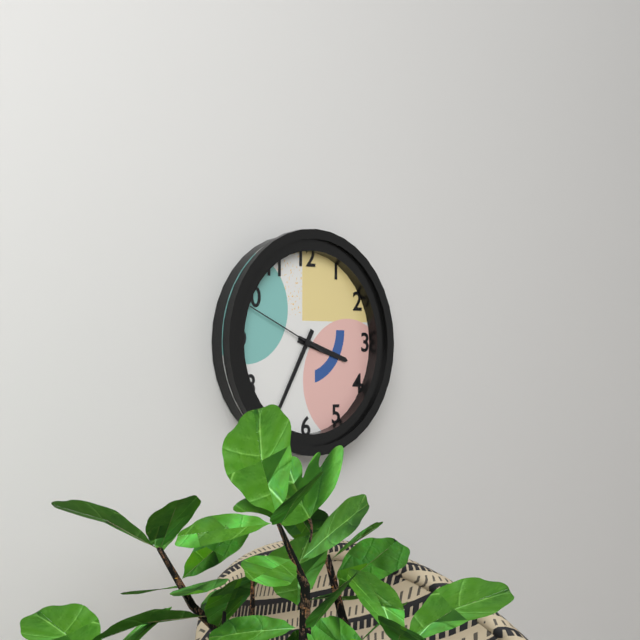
**3:35:49**
